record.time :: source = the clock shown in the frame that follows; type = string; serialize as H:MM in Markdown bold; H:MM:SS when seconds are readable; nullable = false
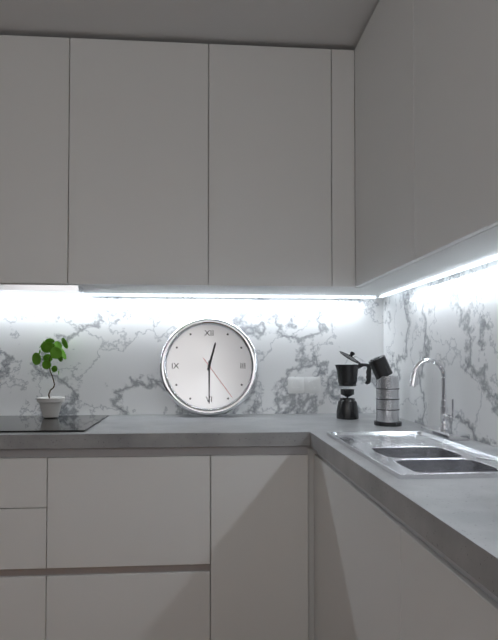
**12:30**
